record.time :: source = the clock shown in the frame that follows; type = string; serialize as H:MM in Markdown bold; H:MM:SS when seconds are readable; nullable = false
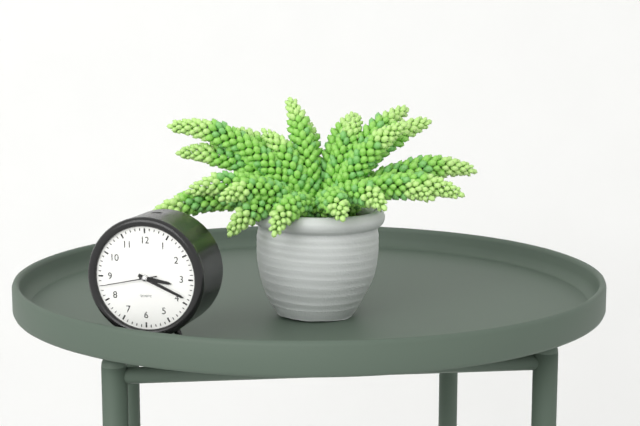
**3:19:43**
